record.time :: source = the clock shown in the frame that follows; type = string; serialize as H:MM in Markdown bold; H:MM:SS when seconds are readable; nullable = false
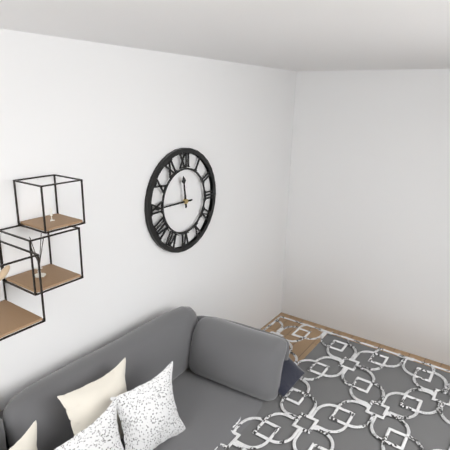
**11:45**
